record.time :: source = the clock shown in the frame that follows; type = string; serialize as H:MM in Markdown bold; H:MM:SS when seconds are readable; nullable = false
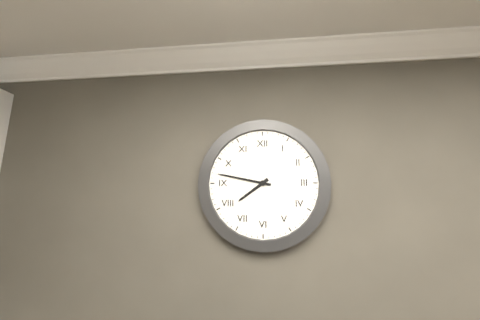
**7:47**
